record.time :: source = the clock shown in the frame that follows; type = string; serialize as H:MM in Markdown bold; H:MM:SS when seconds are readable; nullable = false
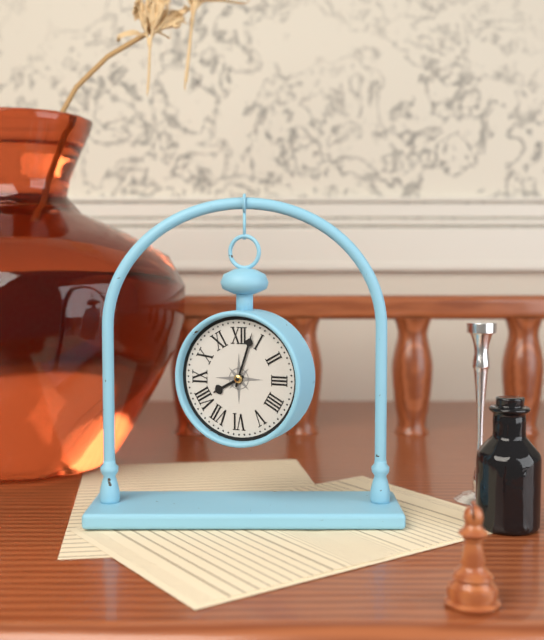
**8:03**
